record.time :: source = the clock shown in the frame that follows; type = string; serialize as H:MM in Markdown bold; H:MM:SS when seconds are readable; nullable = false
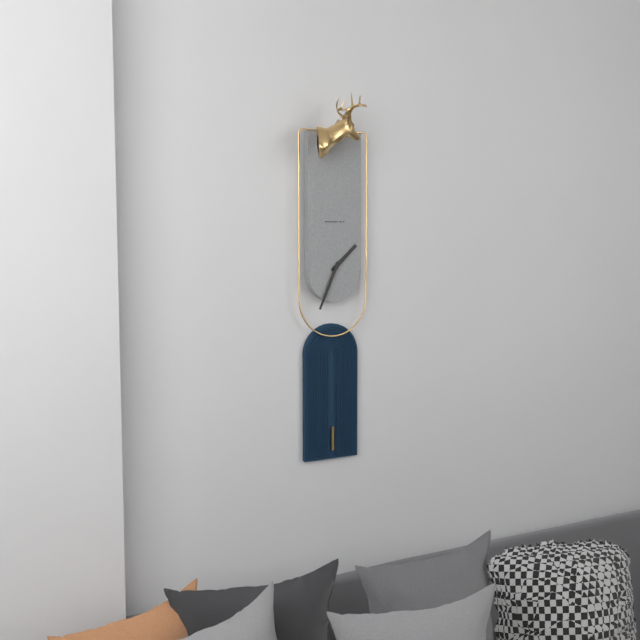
**1:34**
